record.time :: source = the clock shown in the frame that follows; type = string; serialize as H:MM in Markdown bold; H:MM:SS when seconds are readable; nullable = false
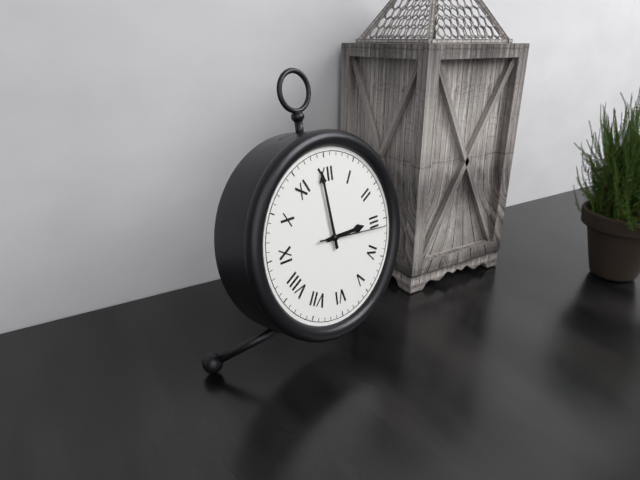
**2:59:16**
